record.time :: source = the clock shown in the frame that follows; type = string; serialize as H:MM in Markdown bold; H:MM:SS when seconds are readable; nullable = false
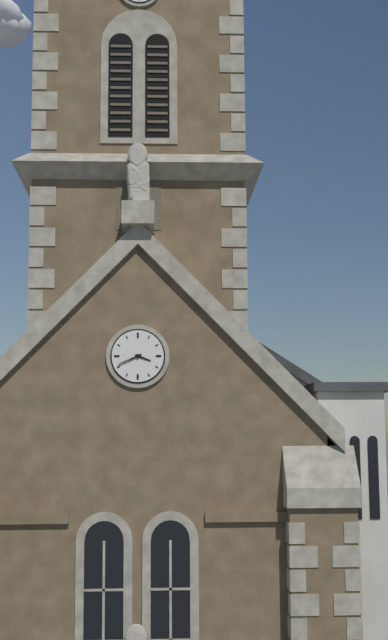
**3:41**
